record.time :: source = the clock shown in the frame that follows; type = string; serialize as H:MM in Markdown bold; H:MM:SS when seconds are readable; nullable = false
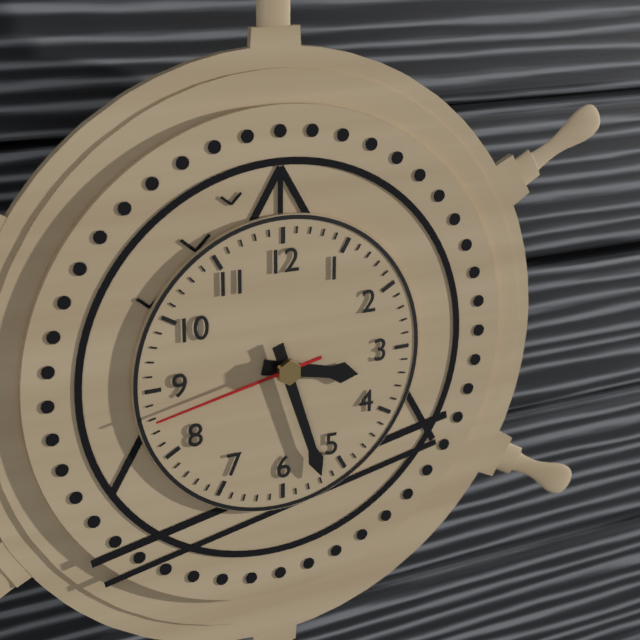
**3:27:43**
